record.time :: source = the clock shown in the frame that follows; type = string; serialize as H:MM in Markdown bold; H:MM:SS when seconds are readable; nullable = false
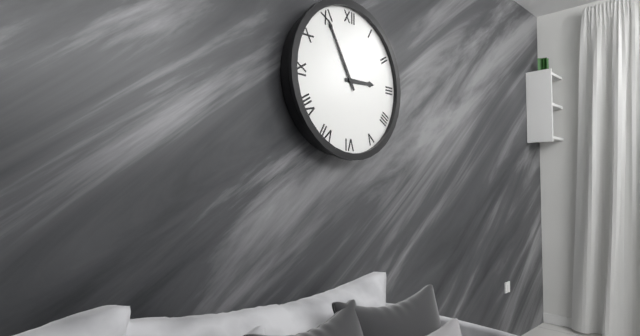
**2:55**
